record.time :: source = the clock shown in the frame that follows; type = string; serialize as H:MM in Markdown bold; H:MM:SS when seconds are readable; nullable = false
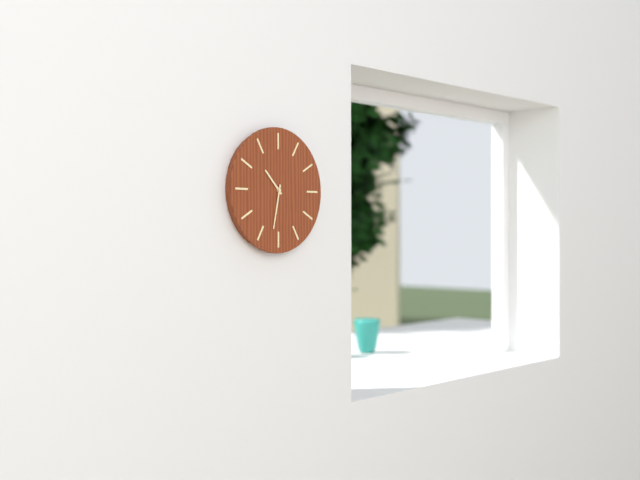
**10:32**
